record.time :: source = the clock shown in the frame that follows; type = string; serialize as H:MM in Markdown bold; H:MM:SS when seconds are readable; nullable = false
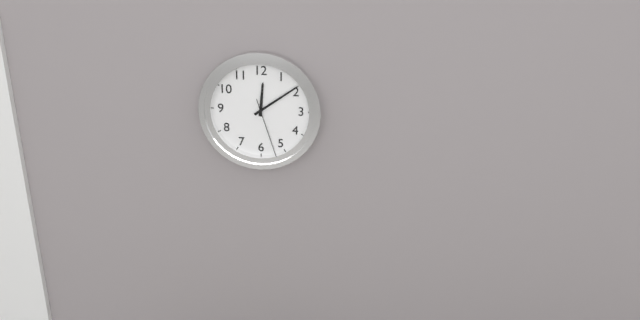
**12:09:27**
